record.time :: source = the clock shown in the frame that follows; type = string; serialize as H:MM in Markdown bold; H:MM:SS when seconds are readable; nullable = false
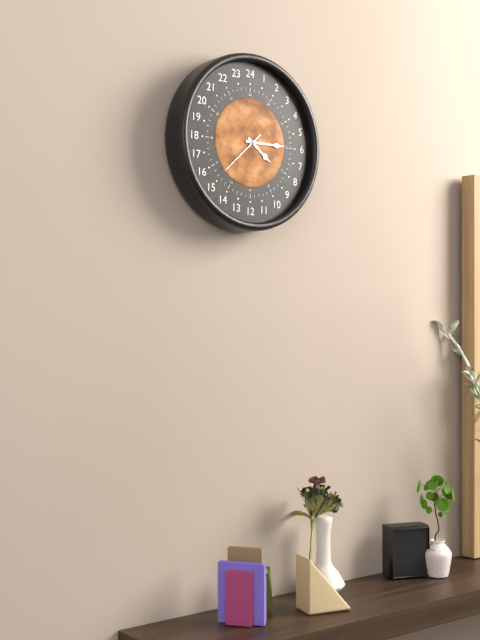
**4:15**
